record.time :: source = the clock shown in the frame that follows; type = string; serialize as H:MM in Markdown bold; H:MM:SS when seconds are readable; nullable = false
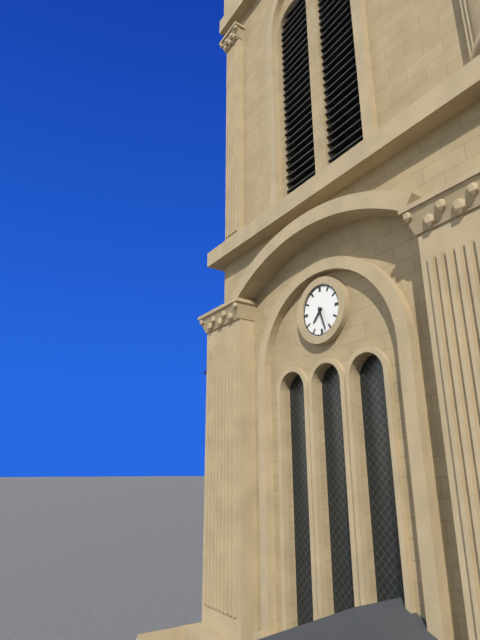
**7:27**
